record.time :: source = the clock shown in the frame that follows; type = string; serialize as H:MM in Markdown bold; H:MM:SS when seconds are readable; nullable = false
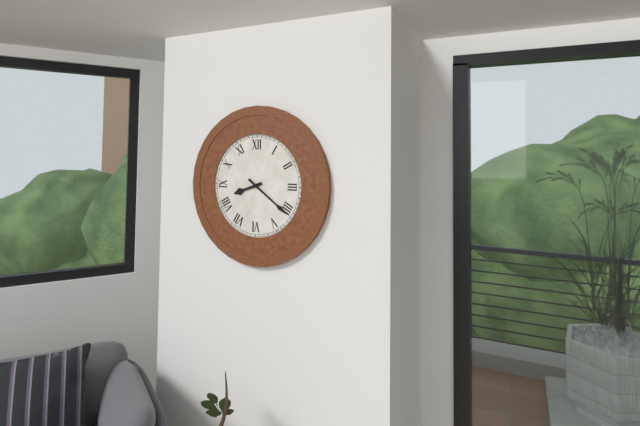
**8:21**
